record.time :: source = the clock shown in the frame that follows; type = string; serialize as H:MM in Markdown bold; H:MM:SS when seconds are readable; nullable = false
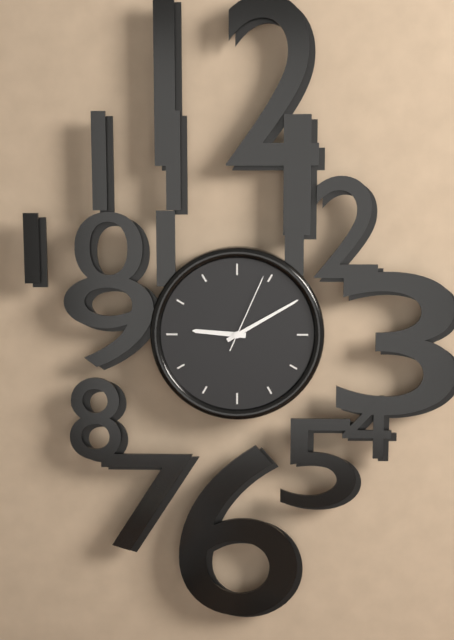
**9:10:04**
